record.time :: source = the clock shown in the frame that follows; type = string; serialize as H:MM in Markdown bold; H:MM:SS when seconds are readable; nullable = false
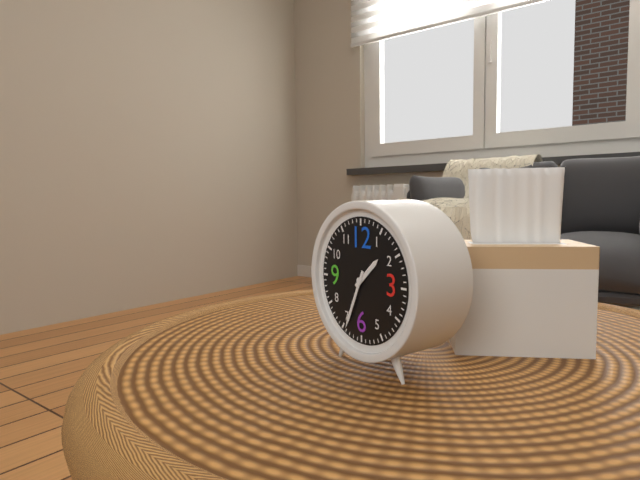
**1:34**
